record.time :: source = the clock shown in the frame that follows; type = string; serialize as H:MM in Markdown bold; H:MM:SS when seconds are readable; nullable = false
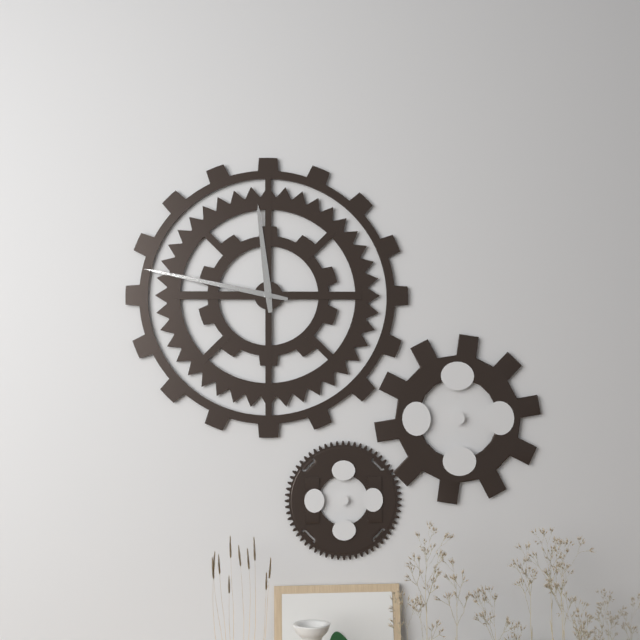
**11:47**
